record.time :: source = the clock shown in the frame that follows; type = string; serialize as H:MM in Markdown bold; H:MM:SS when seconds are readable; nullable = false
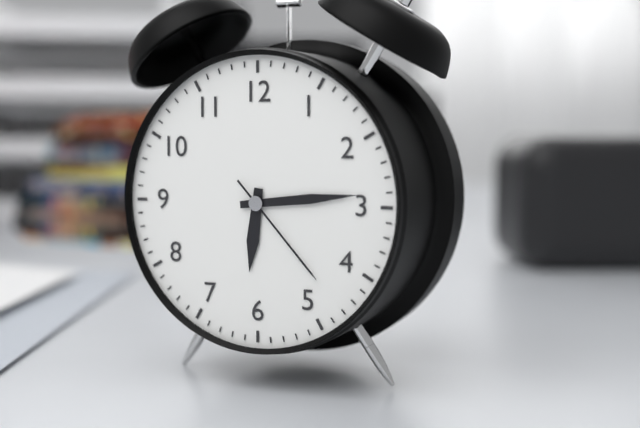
**6:14:23**
